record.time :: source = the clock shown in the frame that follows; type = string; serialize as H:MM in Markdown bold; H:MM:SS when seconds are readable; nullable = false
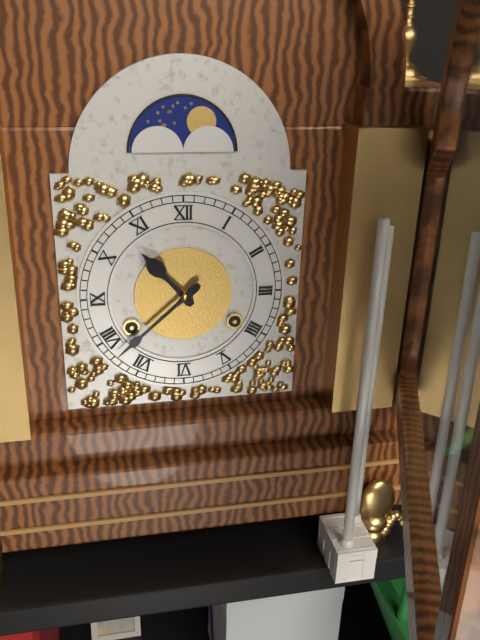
**10:38**
